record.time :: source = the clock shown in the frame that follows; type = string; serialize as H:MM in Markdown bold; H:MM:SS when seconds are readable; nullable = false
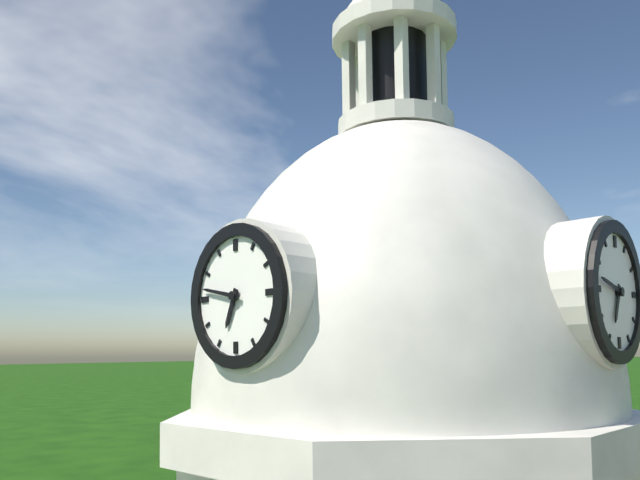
**6:47**
